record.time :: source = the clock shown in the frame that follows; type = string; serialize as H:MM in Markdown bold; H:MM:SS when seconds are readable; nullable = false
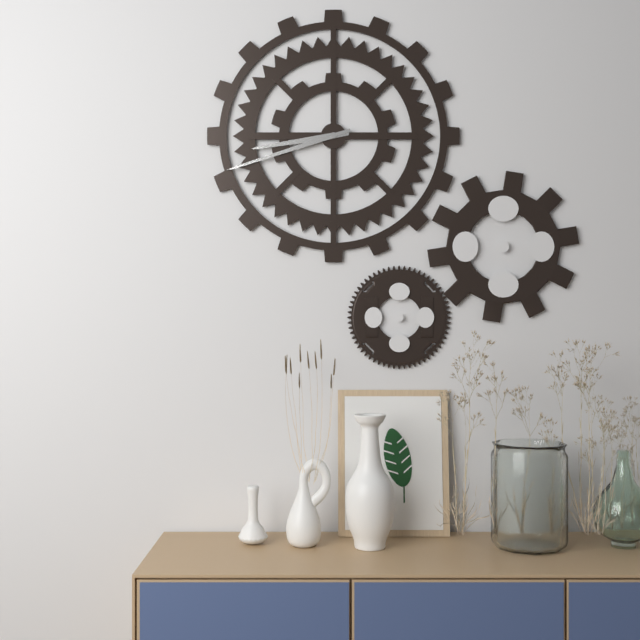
**8:42**
